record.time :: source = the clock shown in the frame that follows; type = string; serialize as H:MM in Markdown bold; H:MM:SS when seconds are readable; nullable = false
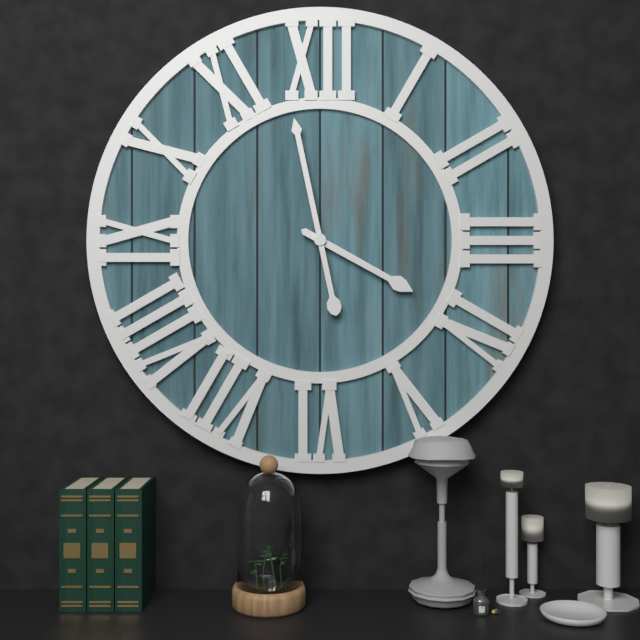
**3:58**
